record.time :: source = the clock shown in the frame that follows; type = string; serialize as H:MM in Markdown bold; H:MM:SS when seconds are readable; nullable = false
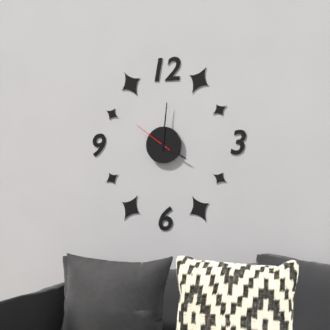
**4:01**
